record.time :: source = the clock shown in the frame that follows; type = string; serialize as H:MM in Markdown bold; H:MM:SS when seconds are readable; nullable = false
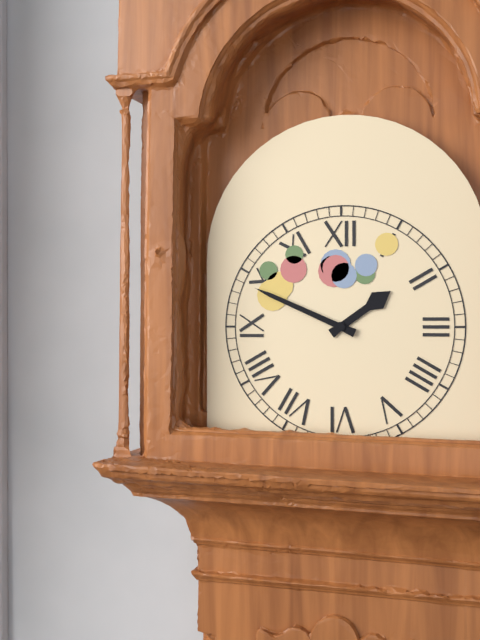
**1:49**
